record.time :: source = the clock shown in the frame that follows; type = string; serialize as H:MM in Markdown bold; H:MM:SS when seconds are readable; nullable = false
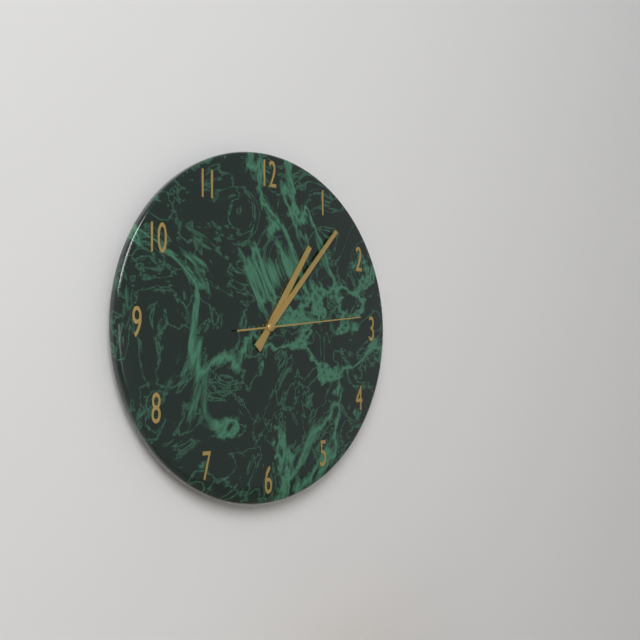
**1:07:14**
